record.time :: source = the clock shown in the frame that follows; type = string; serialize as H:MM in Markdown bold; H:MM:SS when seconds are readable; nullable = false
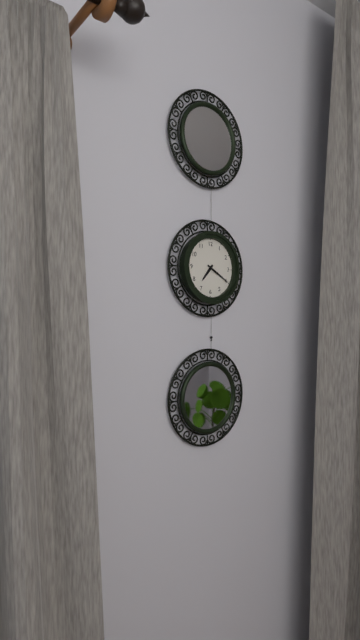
**7:20**
